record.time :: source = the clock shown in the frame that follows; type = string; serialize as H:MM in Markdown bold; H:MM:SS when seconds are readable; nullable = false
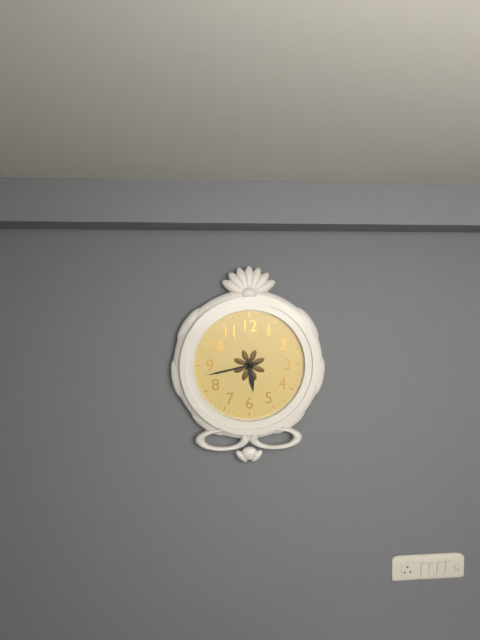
**5:43**
